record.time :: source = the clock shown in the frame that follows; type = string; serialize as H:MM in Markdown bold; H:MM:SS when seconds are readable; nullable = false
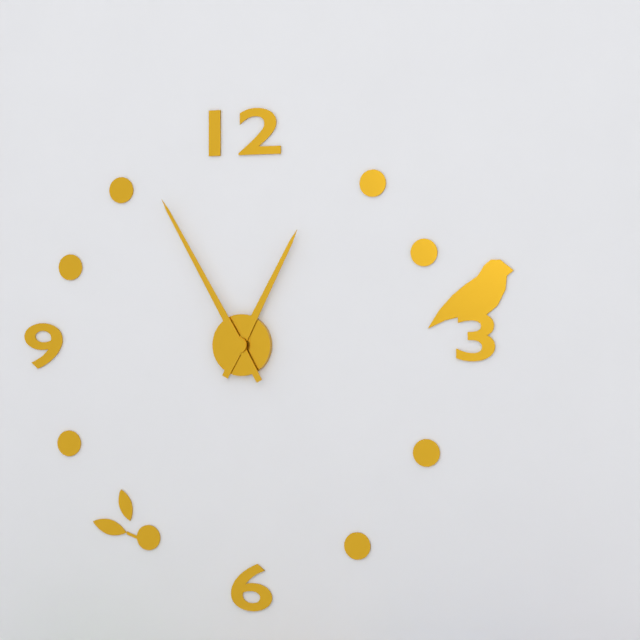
**12:55**
